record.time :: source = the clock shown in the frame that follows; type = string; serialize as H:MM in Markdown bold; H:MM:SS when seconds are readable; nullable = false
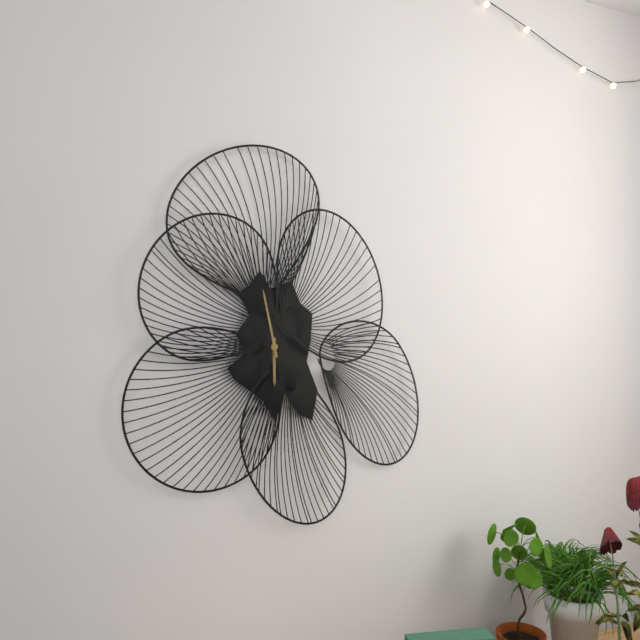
**5:58**
